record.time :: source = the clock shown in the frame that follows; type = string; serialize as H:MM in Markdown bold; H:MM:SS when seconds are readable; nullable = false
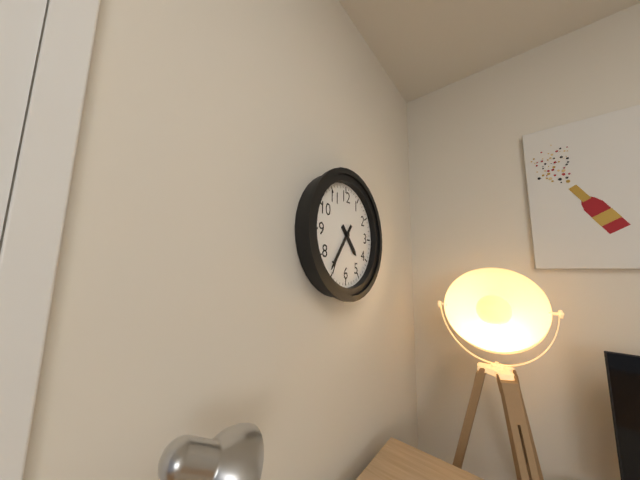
**4:36**
